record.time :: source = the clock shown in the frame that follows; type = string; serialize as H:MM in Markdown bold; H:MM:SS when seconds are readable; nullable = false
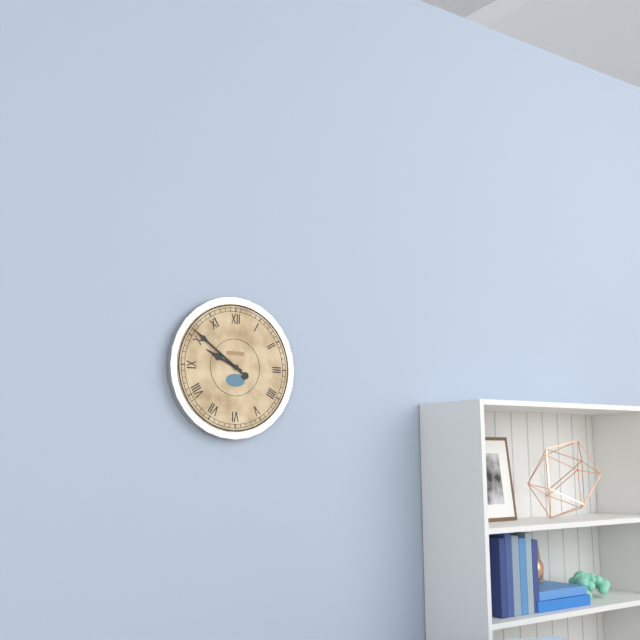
**9:51**
